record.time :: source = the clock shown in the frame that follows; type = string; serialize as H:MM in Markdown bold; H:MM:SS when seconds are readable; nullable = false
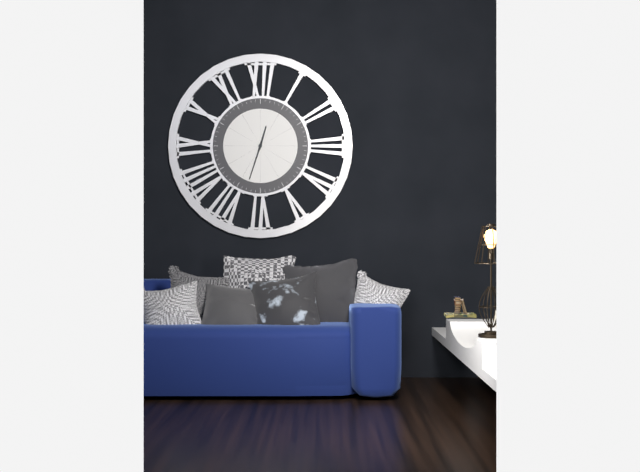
**12:33**
